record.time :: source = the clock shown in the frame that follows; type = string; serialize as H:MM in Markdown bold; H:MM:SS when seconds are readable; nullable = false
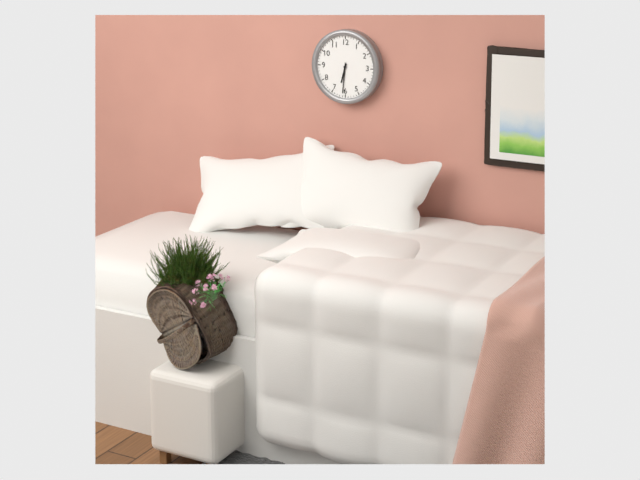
**6:31**
